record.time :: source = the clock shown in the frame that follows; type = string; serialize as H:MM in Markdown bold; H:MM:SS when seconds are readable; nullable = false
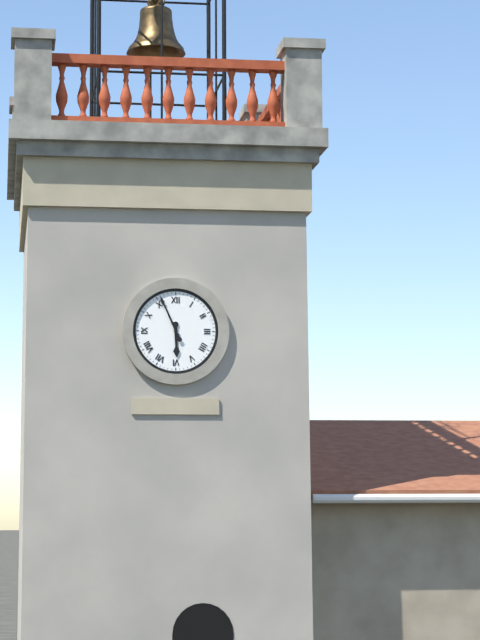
**5:56**
